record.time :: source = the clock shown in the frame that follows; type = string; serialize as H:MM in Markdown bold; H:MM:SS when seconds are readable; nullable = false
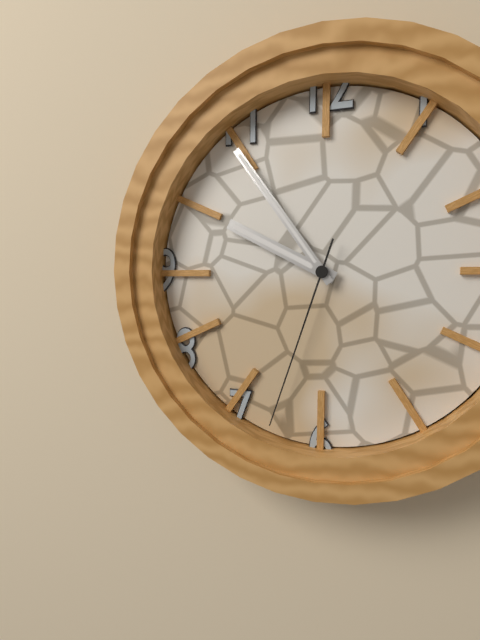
**9:54:33**
